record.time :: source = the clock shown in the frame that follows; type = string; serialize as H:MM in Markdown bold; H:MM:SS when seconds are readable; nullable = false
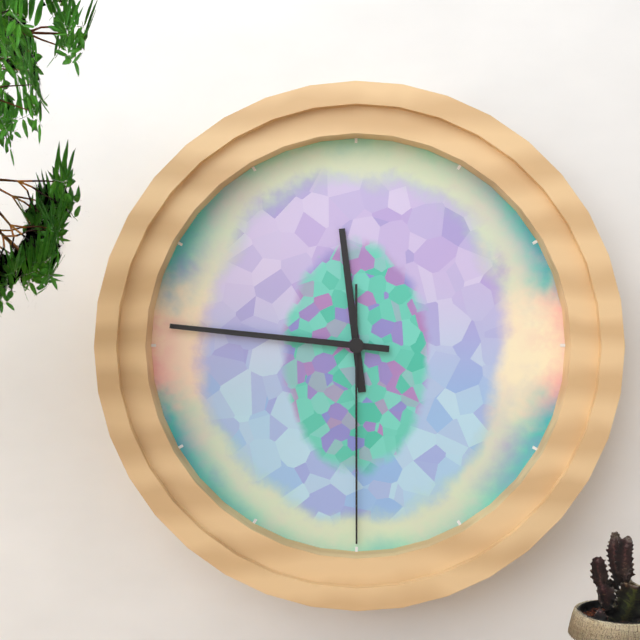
**11:46:30**
